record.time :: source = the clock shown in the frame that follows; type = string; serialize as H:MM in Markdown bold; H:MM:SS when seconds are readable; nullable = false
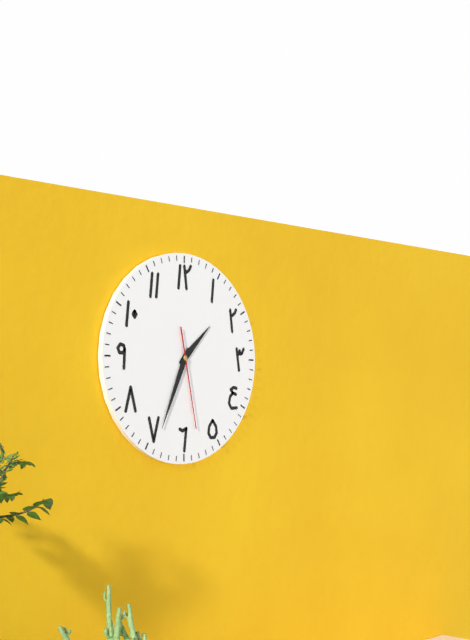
**1:34:28**
